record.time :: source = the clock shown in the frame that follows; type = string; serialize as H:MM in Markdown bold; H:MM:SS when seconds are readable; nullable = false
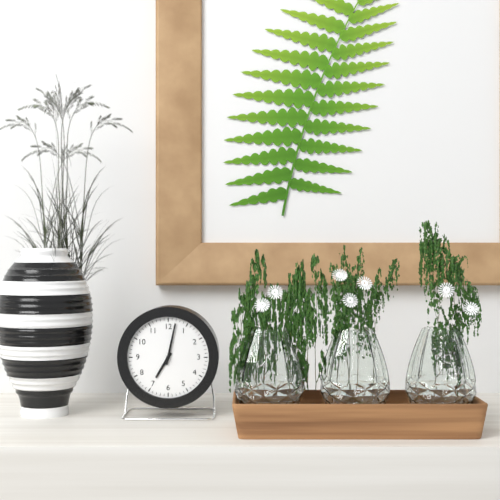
**7:02**
